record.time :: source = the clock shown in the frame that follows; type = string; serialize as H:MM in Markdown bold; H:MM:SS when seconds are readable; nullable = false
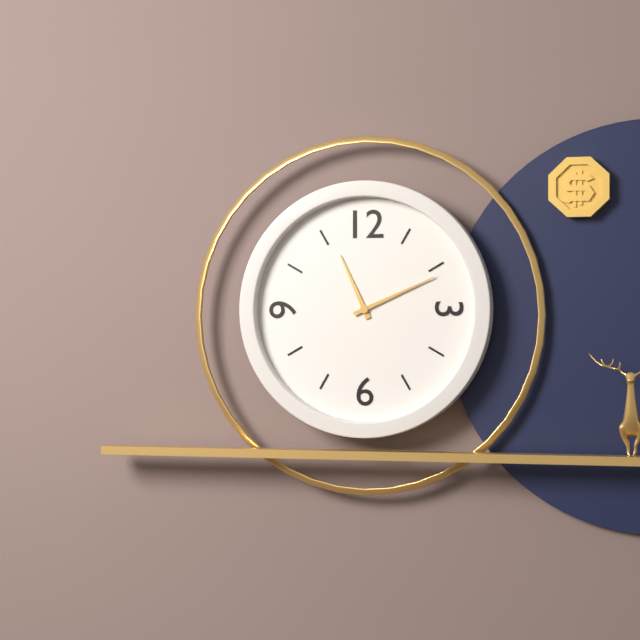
**11:11**
